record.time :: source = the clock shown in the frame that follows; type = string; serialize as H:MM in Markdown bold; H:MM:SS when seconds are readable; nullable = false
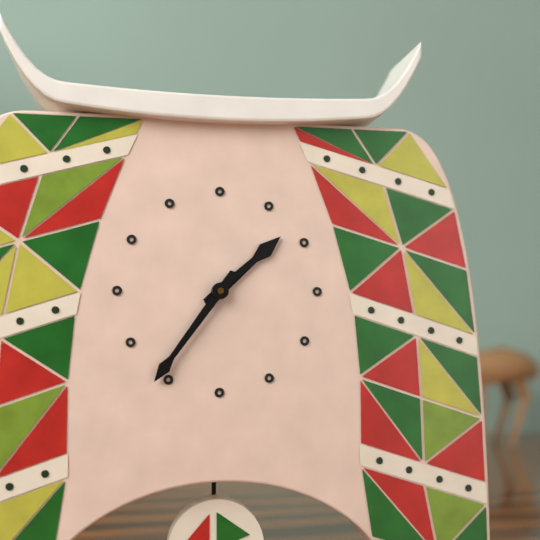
**1:36**
